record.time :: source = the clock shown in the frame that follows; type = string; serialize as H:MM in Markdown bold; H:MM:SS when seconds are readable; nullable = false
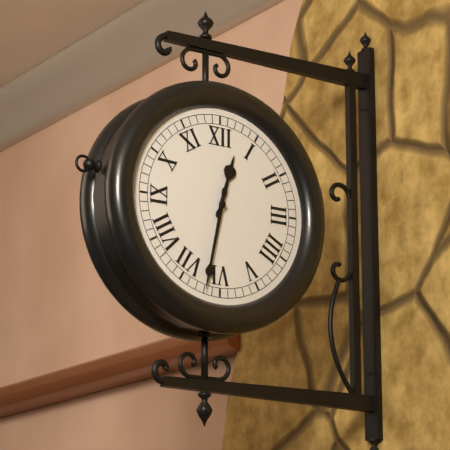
**12:32**
